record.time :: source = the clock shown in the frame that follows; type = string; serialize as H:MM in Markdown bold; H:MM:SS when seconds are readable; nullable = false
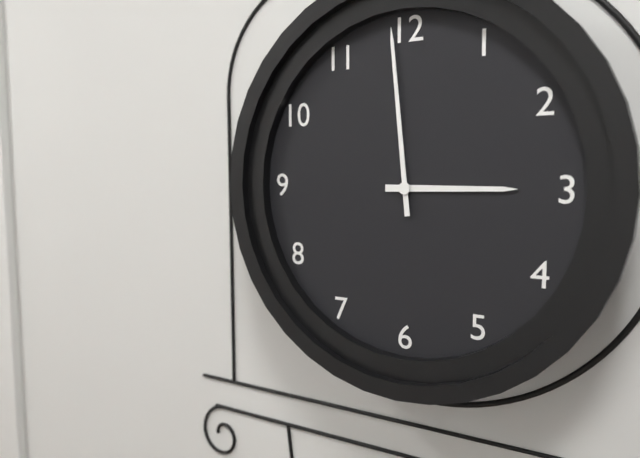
**2:59**
